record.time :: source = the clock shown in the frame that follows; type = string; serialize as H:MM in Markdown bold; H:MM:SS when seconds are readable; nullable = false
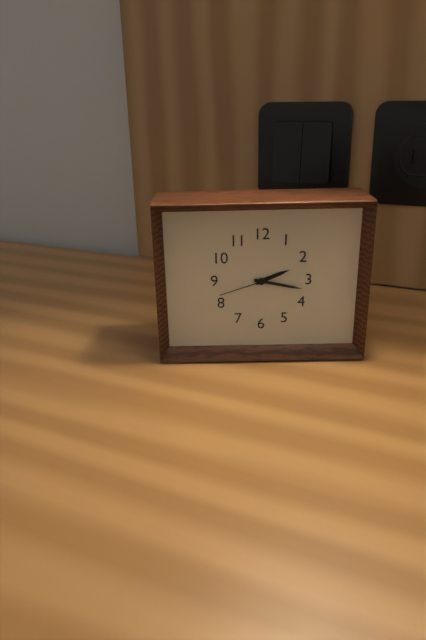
**2:17:42**
